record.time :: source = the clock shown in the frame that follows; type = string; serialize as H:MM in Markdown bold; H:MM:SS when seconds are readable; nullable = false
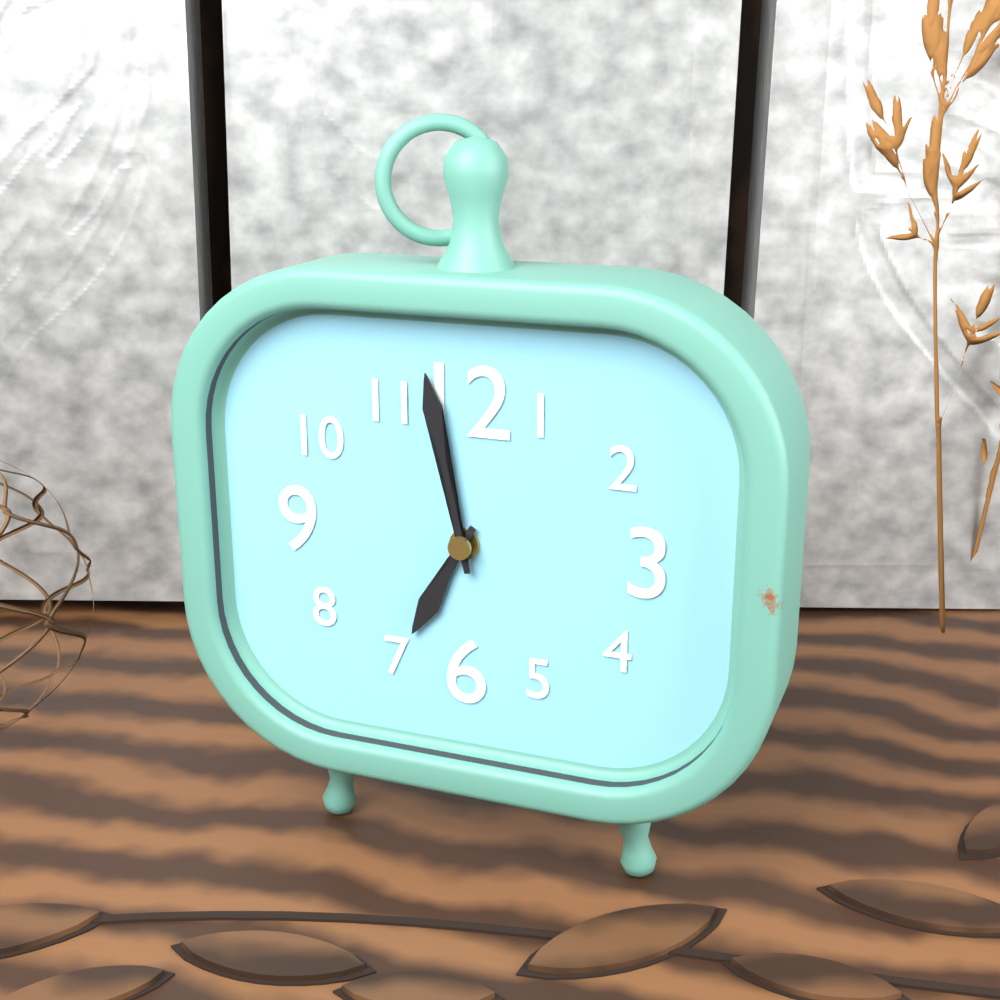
**6:58**
